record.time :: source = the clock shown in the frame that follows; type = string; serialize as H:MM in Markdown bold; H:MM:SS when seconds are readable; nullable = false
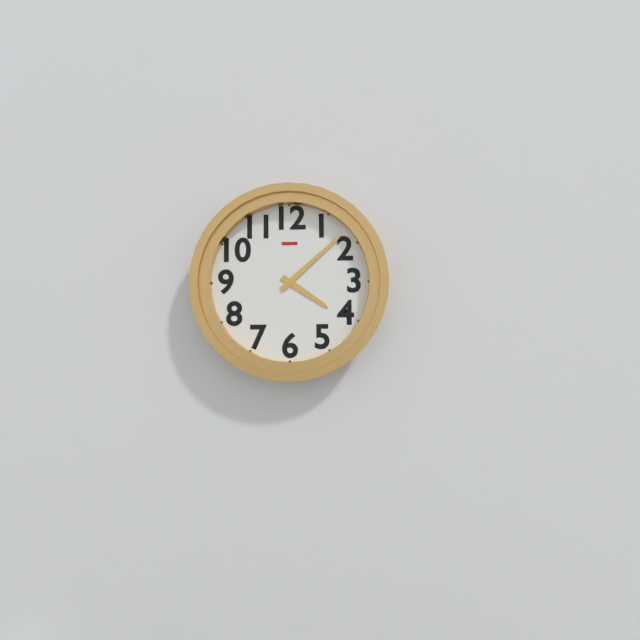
**4:08**
